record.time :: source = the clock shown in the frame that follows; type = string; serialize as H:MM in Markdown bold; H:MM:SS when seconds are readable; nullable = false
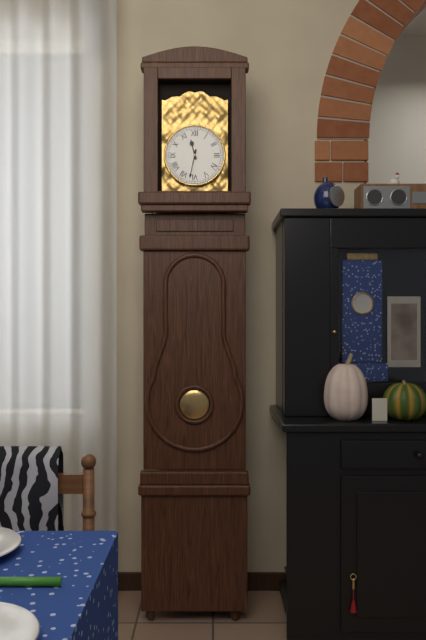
**11:32**
